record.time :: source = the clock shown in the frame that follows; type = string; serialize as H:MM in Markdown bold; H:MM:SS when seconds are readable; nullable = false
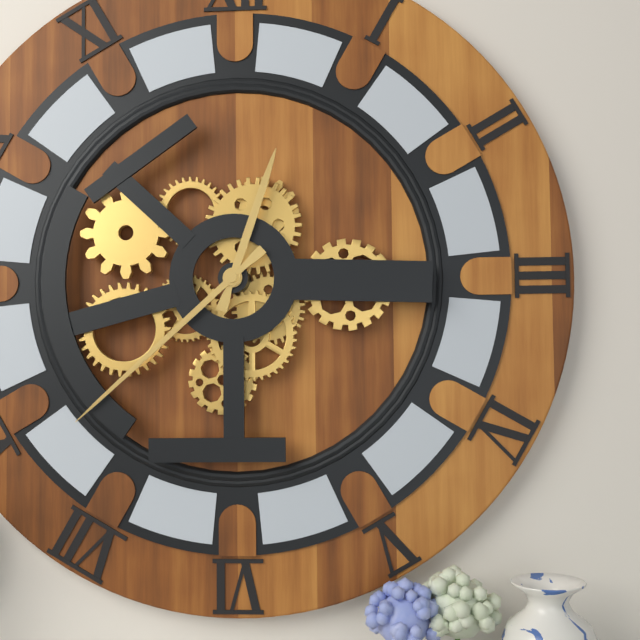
**12:38**
